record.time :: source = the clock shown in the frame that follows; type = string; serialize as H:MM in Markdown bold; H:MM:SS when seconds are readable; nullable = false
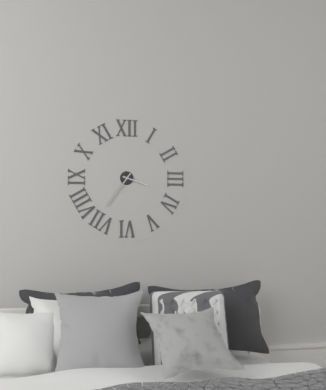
**3:36**
